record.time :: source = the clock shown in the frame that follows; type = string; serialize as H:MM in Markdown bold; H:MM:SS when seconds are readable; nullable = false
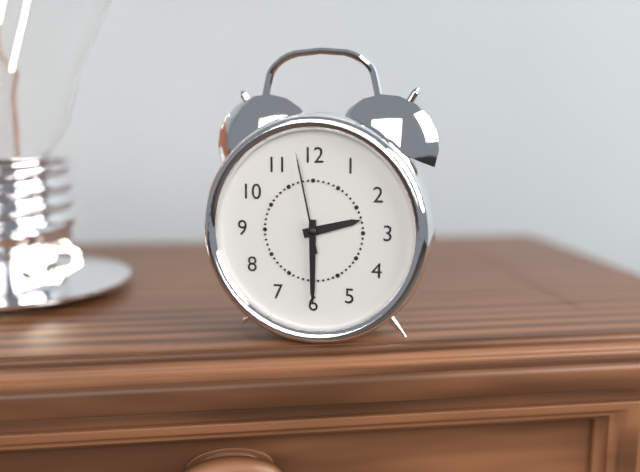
**2:30:58**
